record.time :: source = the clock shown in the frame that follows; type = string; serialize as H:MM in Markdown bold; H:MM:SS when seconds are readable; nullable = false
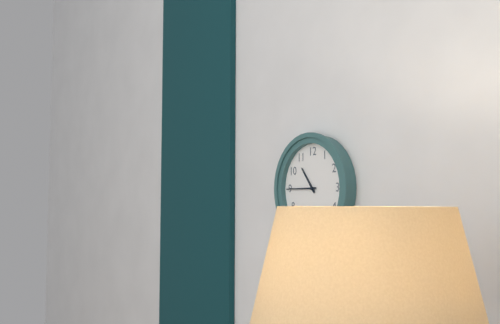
**10:45**
